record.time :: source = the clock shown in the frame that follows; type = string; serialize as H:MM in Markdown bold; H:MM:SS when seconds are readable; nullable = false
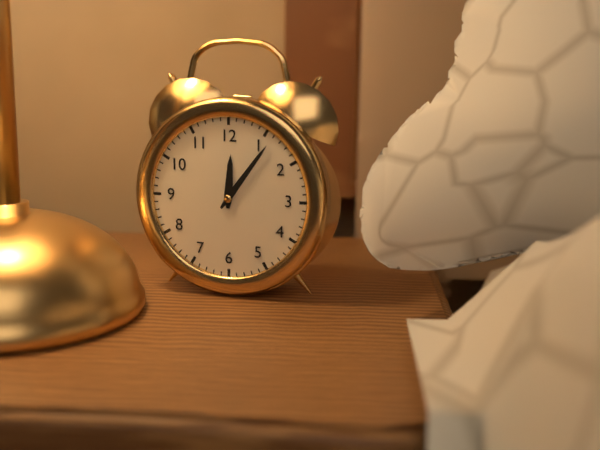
**12:06**
